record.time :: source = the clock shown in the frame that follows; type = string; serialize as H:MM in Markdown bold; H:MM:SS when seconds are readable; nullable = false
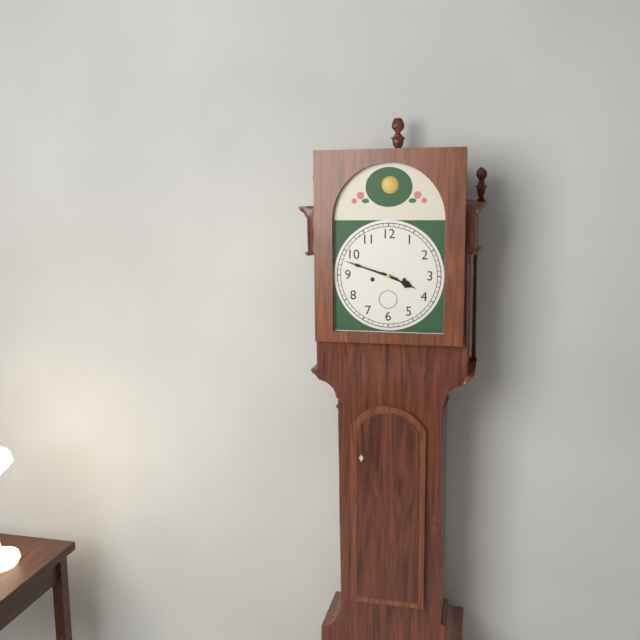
**3:48**
